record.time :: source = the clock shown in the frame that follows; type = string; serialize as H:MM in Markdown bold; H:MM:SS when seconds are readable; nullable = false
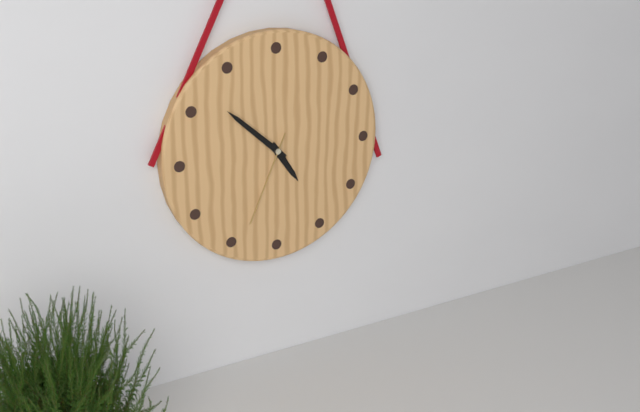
**4:52:34**
